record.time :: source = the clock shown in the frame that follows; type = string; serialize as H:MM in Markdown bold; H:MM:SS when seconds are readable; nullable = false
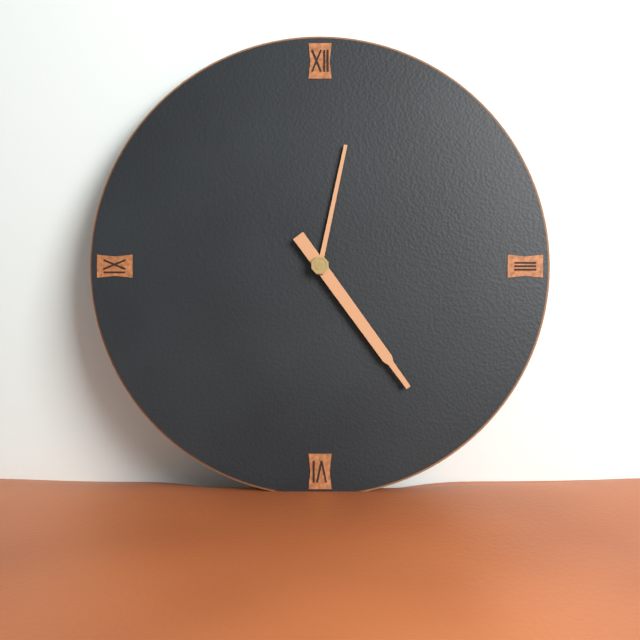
**12:24**
